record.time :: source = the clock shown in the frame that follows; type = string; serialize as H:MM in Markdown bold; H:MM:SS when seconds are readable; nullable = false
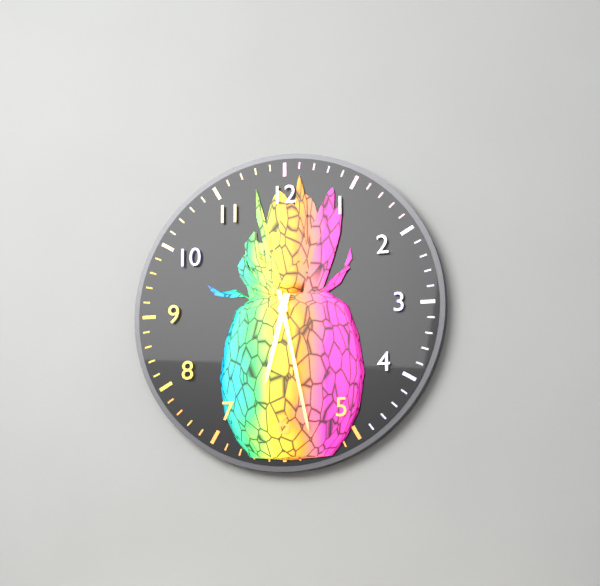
**6:28**
